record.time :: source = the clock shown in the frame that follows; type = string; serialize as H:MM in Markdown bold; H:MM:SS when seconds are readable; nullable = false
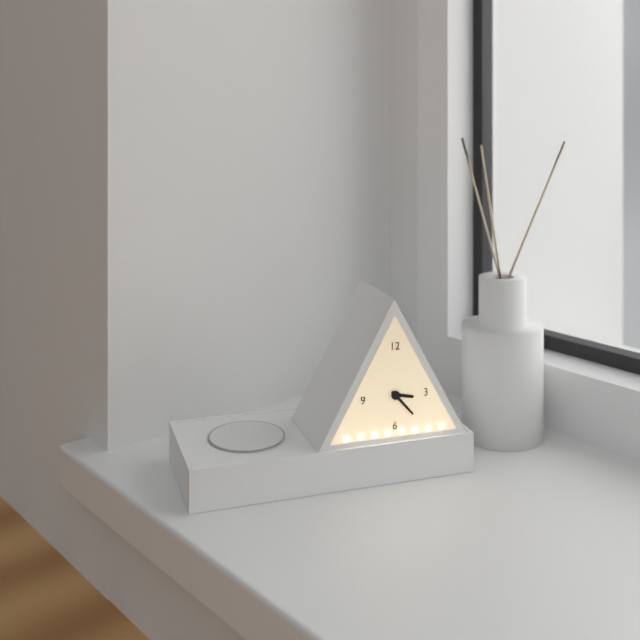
**3:23**
